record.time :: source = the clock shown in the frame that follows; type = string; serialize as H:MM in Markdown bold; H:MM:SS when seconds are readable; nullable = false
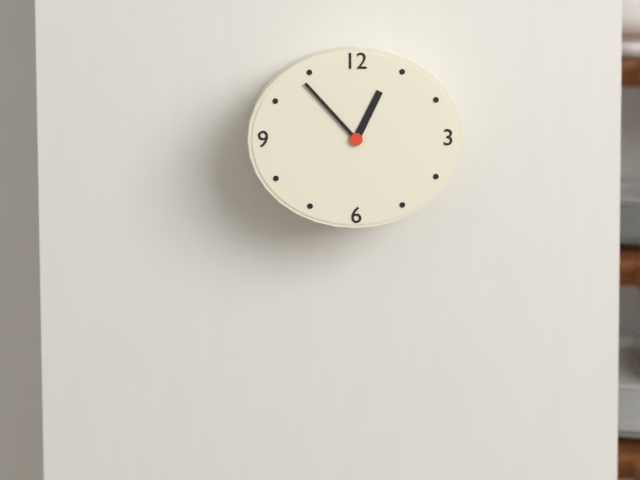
**12:53**
